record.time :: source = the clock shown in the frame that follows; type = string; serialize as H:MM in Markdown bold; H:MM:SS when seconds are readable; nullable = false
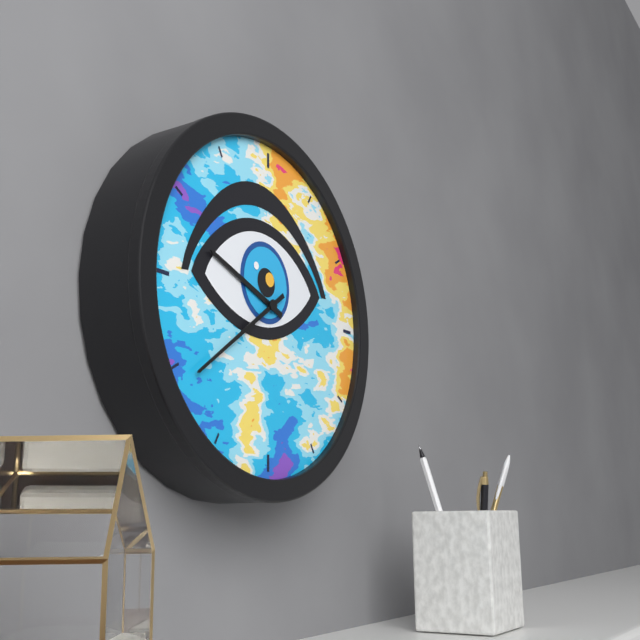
**9:39**
